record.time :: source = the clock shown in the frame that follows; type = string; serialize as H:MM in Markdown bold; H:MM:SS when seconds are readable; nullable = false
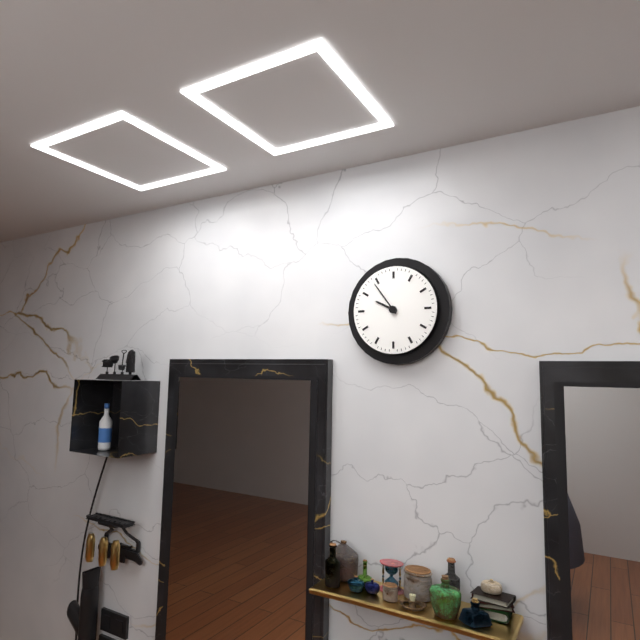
**9:54**
